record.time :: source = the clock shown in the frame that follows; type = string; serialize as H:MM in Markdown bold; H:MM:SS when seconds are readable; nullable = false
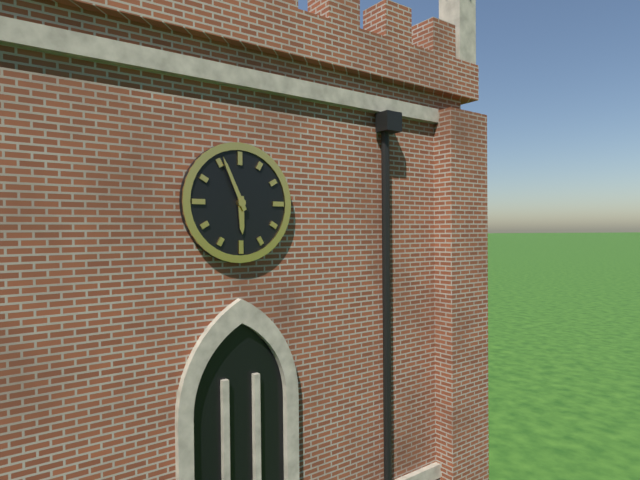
**5:56**
